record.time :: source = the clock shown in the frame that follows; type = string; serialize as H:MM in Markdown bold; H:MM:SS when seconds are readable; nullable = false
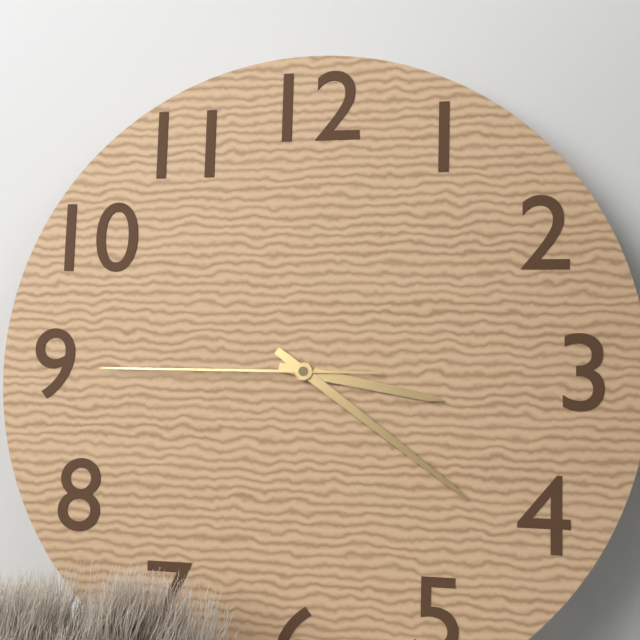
**3:21:45**
